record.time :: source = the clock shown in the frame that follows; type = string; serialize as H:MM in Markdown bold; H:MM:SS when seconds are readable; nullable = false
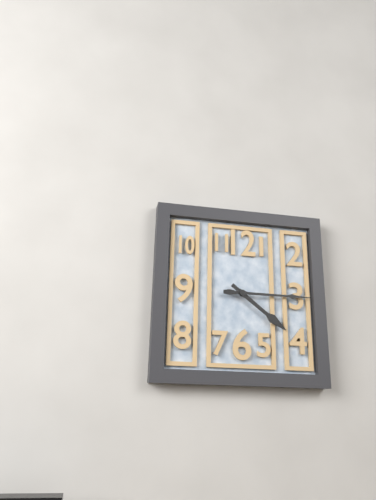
**4:15**
